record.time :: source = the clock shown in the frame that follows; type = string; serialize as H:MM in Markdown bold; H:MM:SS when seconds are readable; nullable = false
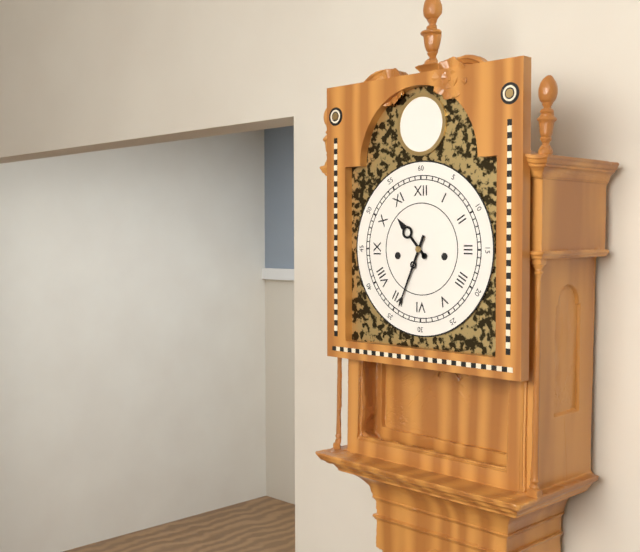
**10:34**
